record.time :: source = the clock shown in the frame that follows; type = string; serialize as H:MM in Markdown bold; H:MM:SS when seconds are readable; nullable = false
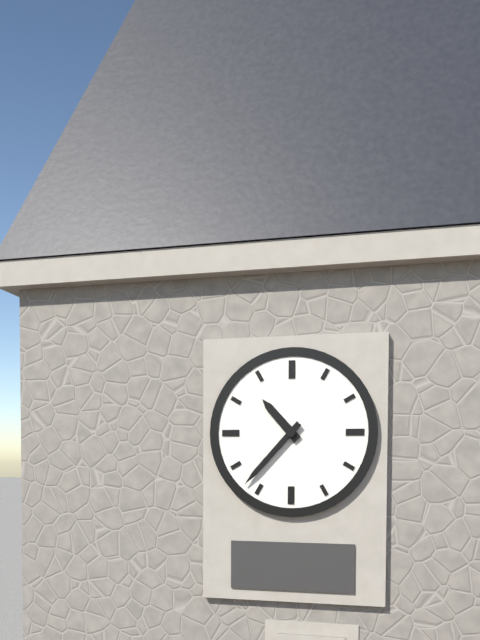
**10:37**
